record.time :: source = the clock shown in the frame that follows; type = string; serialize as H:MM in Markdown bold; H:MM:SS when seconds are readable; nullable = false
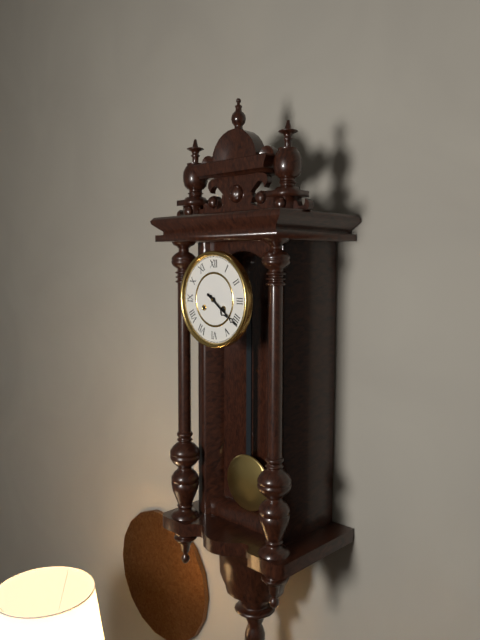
**4:21**
